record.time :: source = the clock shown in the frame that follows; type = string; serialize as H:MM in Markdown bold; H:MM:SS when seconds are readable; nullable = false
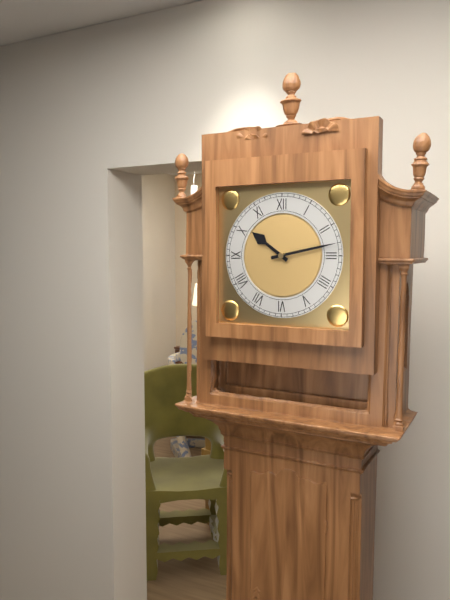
**10:13**
